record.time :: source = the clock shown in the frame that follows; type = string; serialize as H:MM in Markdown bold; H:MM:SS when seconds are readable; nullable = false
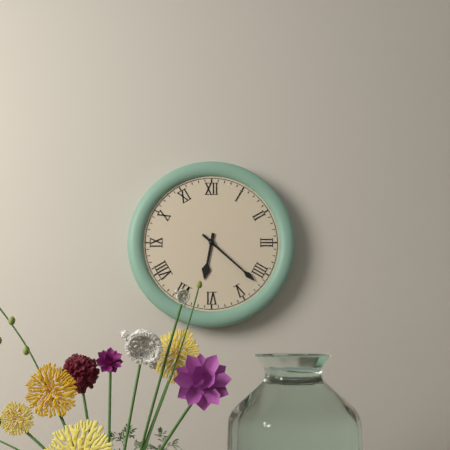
**6:22**
